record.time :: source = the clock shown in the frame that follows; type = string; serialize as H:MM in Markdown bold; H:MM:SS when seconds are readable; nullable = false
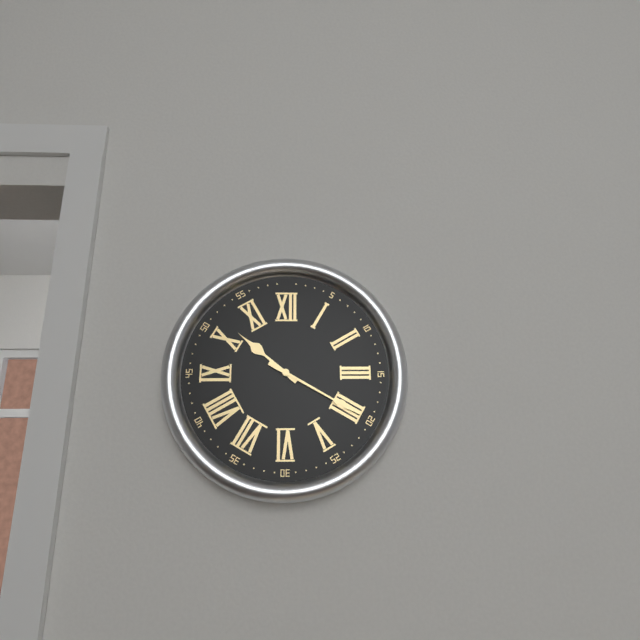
**10:20**
